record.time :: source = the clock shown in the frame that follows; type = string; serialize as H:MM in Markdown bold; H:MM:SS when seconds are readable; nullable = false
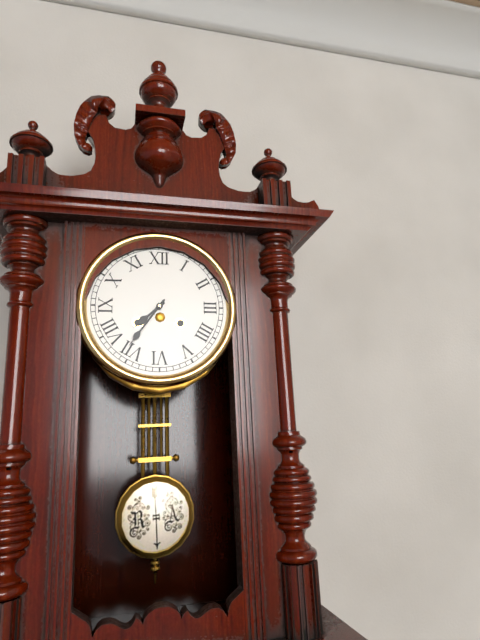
**7:36**
